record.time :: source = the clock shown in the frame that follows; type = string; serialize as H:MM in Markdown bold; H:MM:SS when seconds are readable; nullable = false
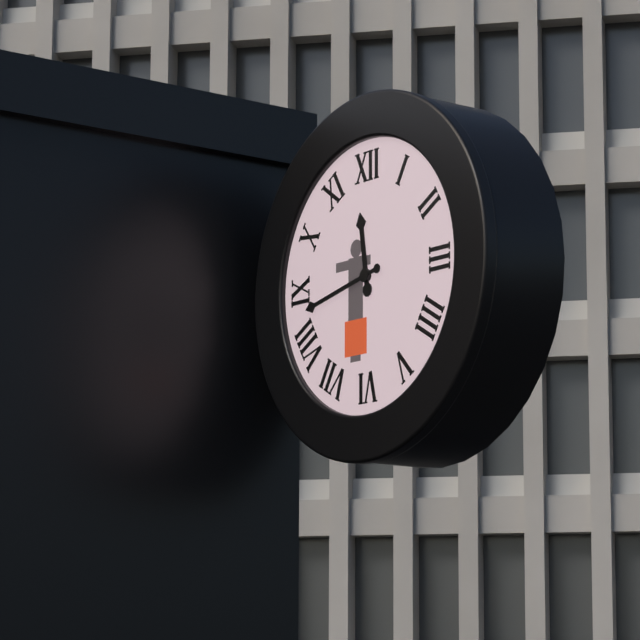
**11:43**
